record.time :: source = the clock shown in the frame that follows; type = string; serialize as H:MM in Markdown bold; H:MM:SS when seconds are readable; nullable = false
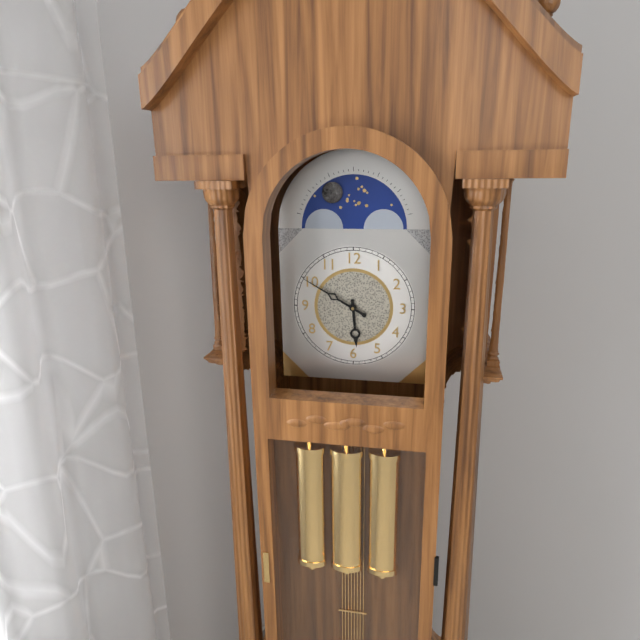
**5:50**
